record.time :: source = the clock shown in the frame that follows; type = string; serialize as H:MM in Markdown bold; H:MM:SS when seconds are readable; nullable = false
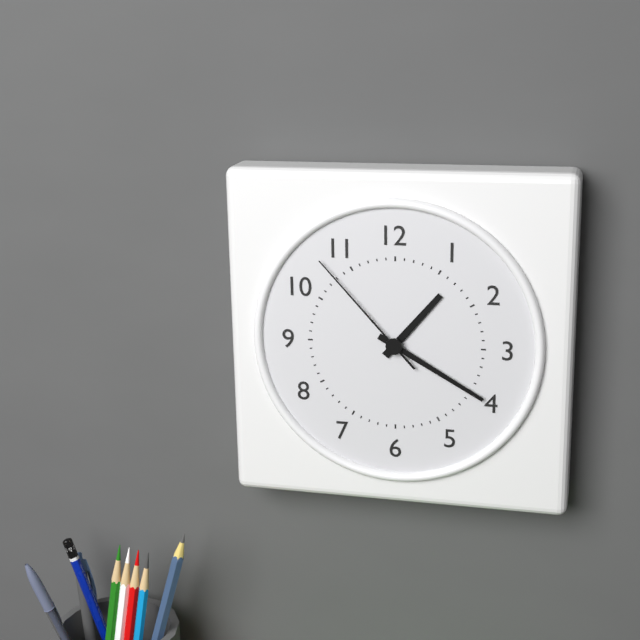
**1:20:53**
